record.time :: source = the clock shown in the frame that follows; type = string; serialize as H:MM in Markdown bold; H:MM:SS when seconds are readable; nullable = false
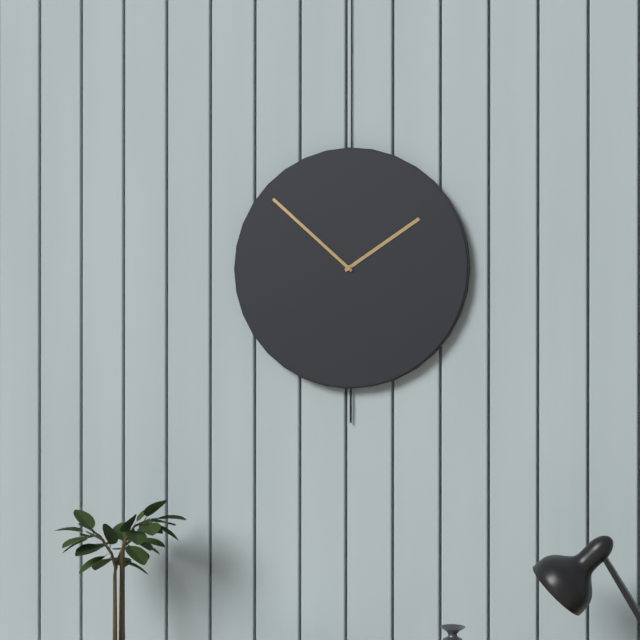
**1:52**
